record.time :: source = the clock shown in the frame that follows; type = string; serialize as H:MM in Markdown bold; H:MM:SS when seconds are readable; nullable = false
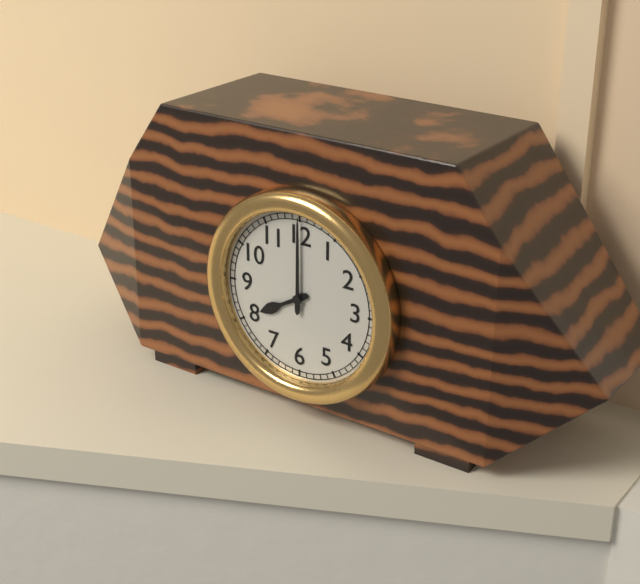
**8:00**
